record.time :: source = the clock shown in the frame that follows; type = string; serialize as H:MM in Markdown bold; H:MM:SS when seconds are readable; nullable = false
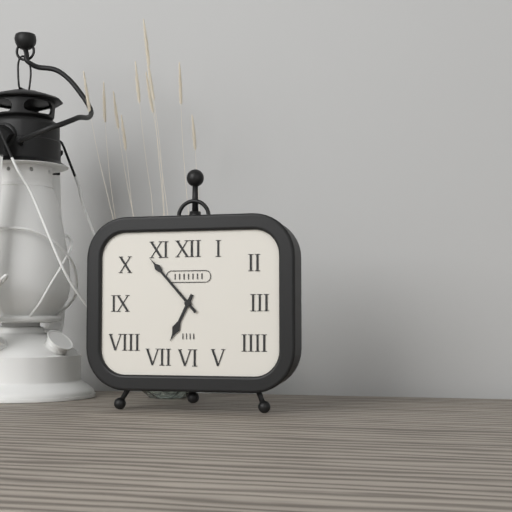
**6:53**
